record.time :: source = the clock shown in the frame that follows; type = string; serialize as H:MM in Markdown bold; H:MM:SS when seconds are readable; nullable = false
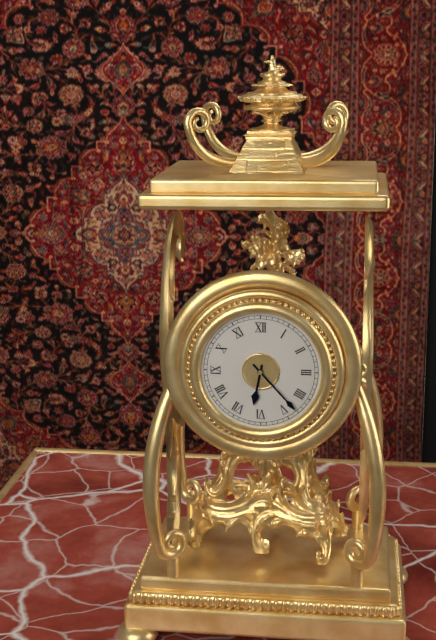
**6:23**
